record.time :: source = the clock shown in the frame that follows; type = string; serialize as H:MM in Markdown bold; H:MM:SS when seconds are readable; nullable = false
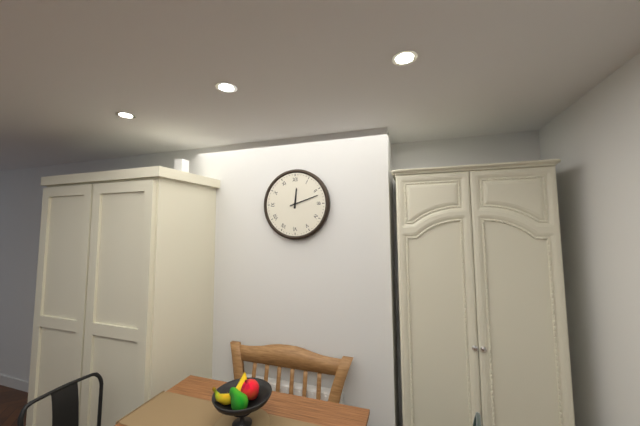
**12:12**
